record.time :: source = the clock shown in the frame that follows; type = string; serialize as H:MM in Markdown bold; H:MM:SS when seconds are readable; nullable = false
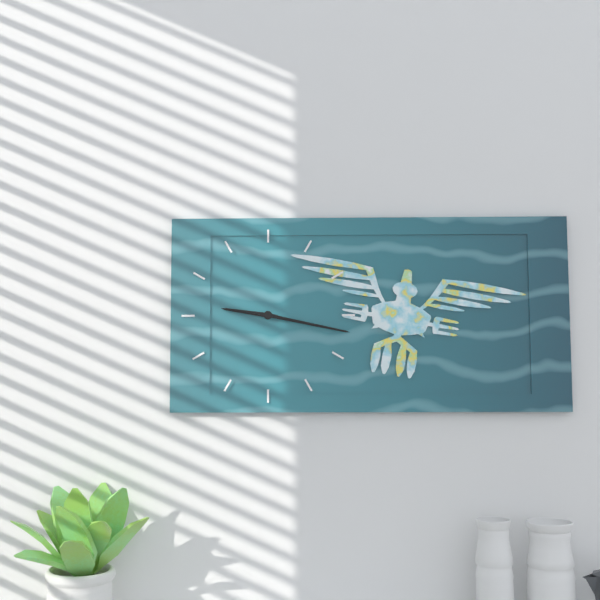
**9:17**
